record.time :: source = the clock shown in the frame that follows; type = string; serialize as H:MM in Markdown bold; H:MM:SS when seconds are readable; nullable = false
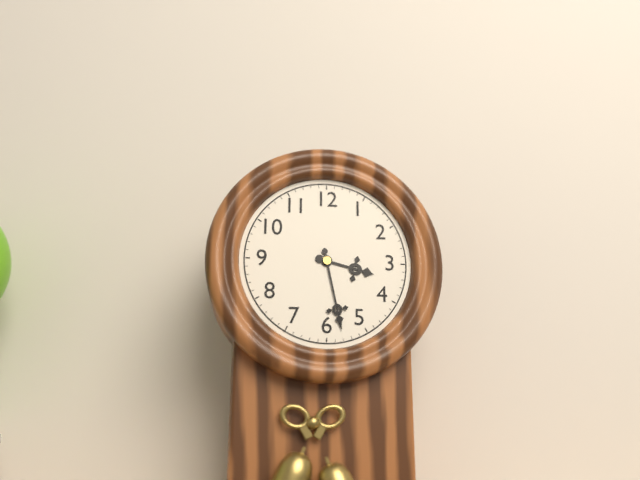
**3:28**
